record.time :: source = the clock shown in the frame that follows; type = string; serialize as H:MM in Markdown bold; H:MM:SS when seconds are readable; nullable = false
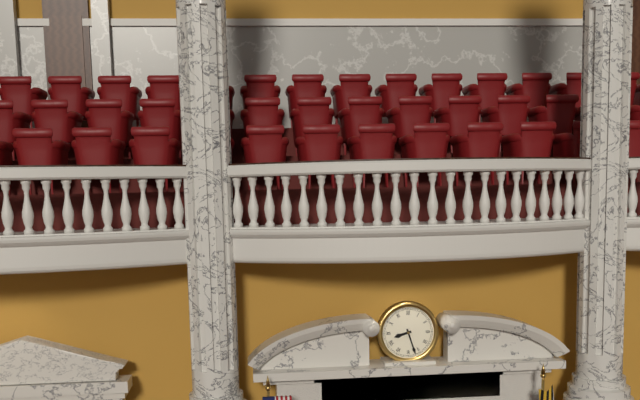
**8:27**
